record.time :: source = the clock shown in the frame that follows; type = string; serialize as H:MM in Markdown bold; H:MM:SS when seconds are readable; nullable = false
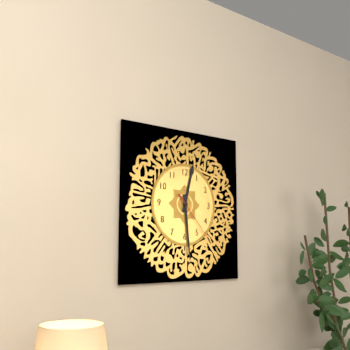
**12:29:23**
